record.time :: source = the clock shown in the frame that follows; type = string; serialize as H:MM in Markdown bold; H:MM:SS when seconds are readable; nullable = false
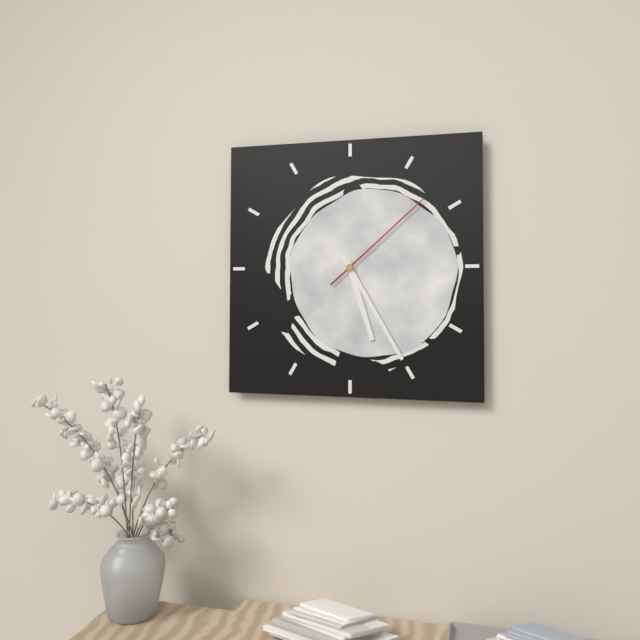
**5:25:08**
